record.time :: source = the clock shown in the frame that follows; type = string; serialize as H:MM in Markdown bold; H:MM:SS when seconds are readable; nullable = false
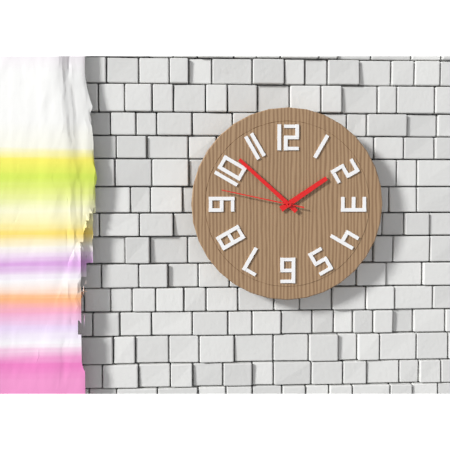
**1:52:47**
